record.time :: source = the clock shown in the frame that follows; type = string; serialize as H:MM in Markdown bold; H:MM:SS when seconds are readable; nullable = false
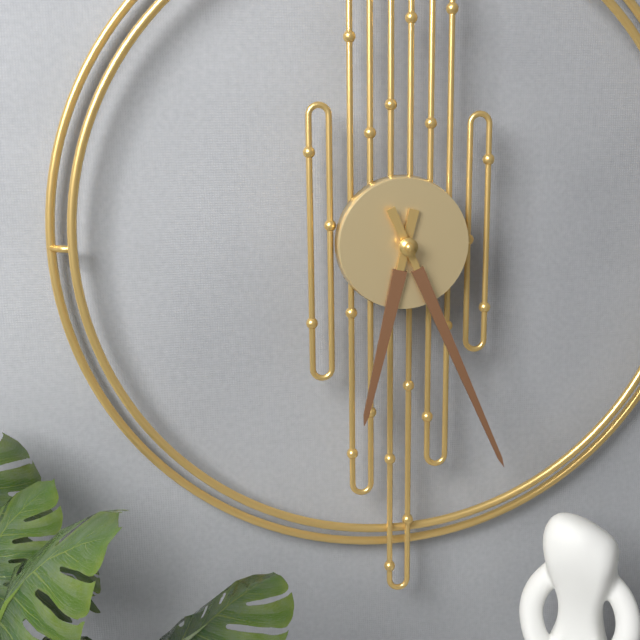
**6:26**
